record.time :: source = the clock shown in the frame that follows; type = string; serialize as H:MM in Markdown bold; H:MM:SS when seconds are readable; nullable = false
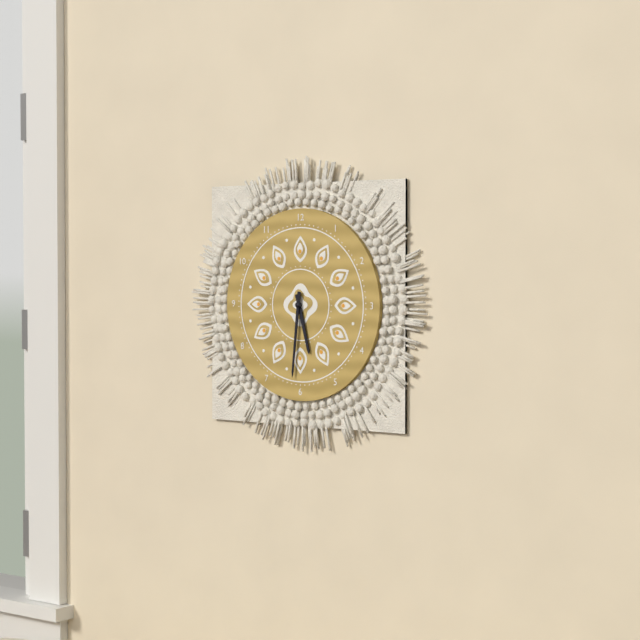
**5:31**
